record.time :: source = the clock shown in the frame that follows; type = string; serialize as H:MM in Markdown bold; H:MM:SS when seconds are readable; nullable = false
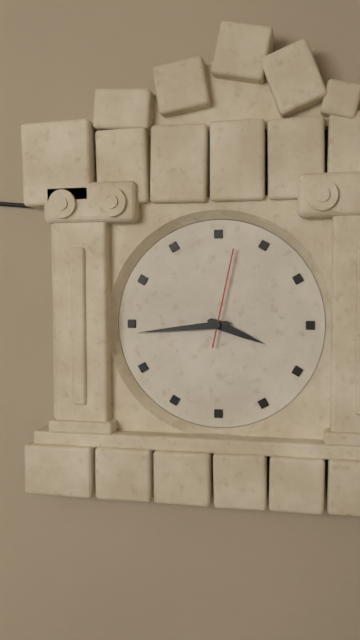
**3:44:02**
